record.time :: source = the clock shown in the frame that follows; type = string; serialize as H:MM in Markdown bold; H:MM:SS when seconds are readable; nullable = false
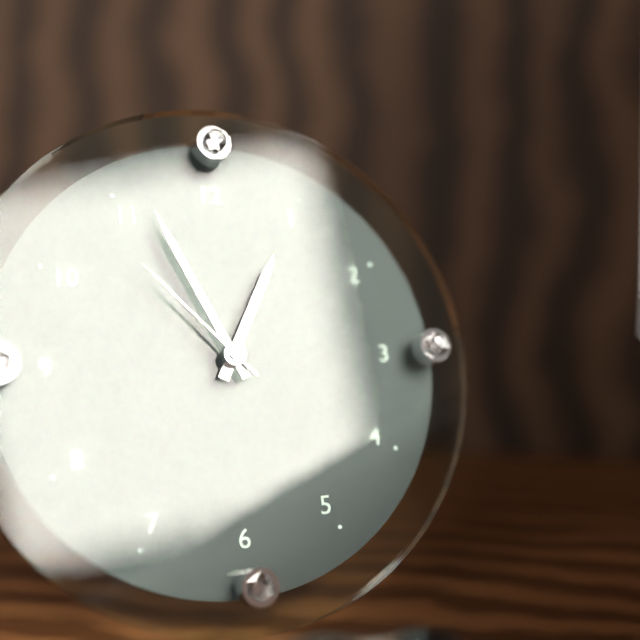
**12:56:53**
